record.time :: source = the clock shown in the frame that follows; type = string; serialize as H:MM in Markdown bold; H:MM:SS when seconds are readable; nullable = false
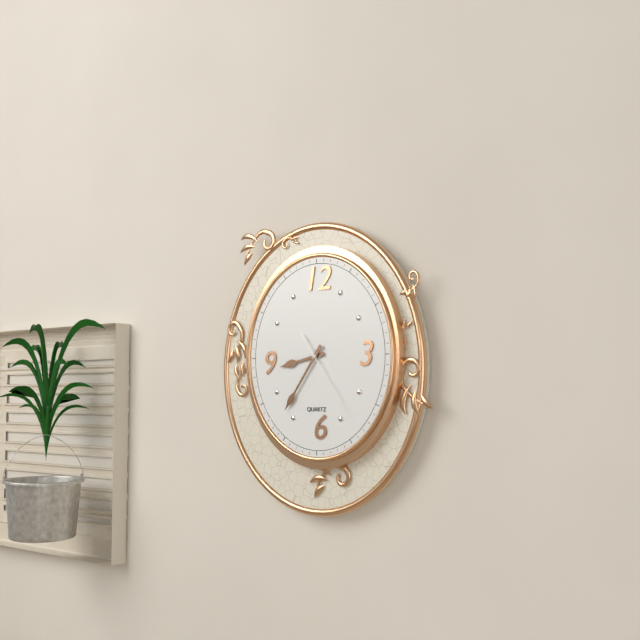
**8:36:24**
